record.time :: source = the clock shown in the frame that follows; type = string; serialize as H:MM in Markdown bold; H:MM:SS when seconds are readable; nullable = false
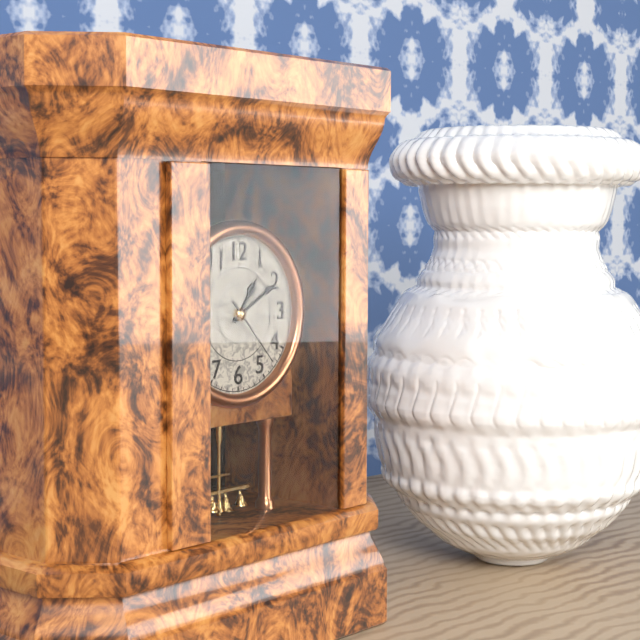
**1:10:23**
